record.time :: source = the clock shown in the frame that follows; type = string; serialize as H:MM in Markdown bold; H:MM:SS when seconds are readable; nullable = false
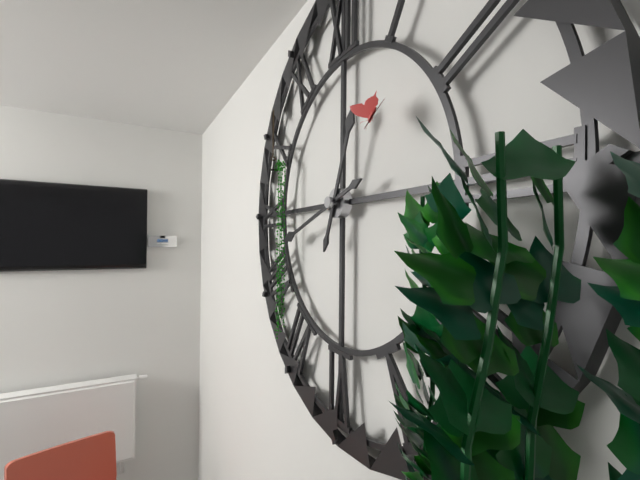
**12:42**
